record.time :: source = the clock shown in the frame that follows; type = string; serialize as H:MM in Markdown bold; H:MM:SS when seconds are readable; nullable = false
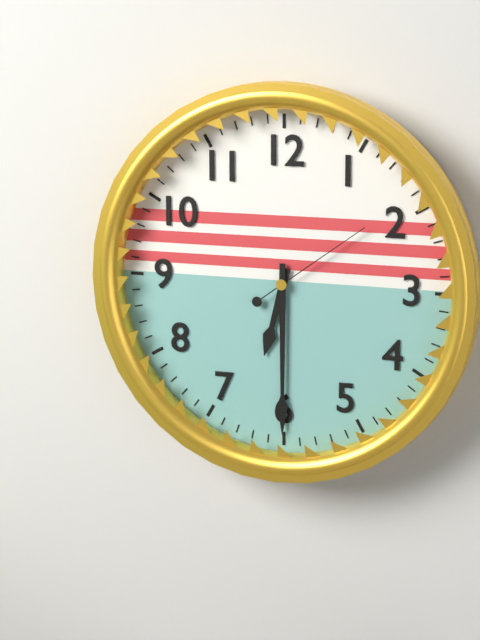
**6:30:09**
